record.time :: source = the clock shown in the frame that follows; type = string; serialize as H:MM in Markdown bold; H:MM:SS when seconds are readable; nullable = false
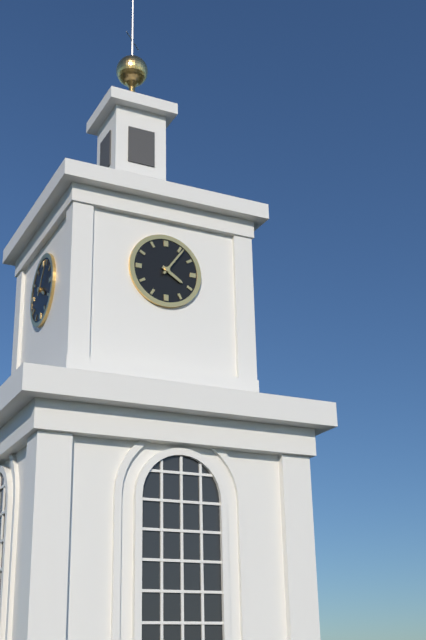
**4:06**
